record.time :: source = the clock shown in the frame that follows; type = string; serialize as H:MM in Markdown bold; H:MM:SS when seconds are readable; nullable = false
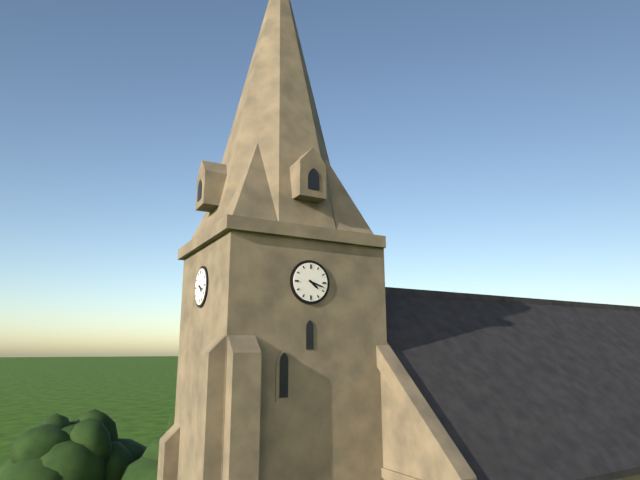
**4:18**
